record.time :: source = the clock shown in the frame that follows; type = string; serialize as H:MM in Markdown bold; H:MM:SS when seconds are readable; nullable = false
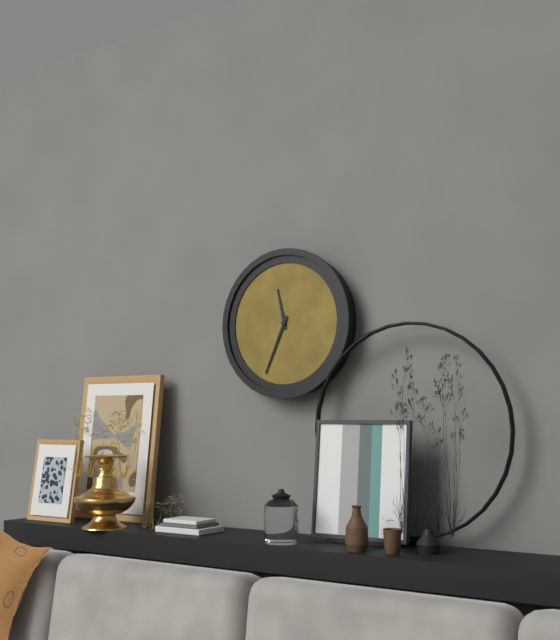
**11:34**
